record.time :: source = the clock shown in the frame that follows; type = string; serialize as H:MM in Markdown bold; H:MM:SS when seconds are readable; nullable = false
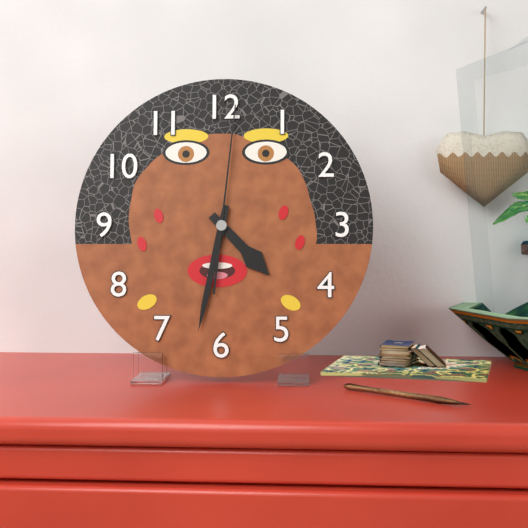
**4:32:01**
